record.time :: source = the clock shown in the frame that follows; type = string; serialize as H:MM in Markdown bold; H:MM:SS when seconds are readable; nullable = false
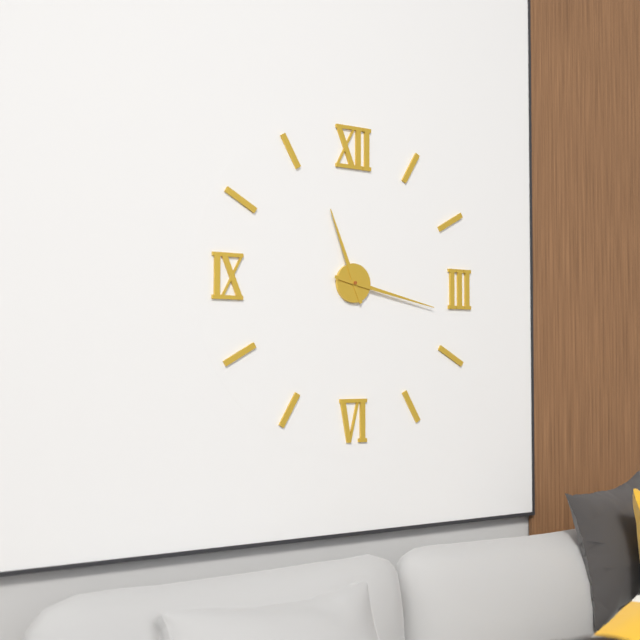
**11:17**
